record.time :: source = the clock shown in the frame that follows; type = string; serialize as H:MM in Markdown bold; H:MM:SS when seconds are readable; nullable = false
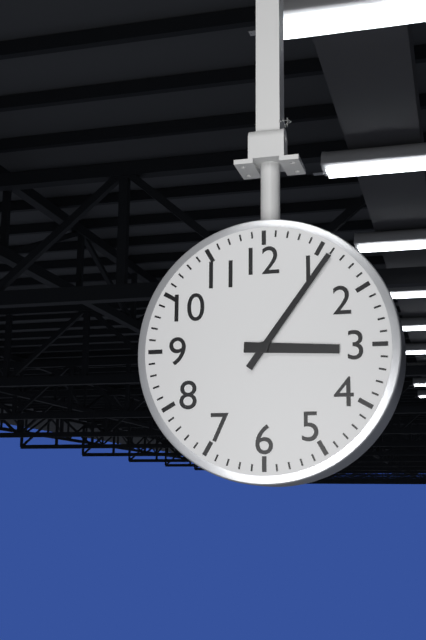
**3:06**
